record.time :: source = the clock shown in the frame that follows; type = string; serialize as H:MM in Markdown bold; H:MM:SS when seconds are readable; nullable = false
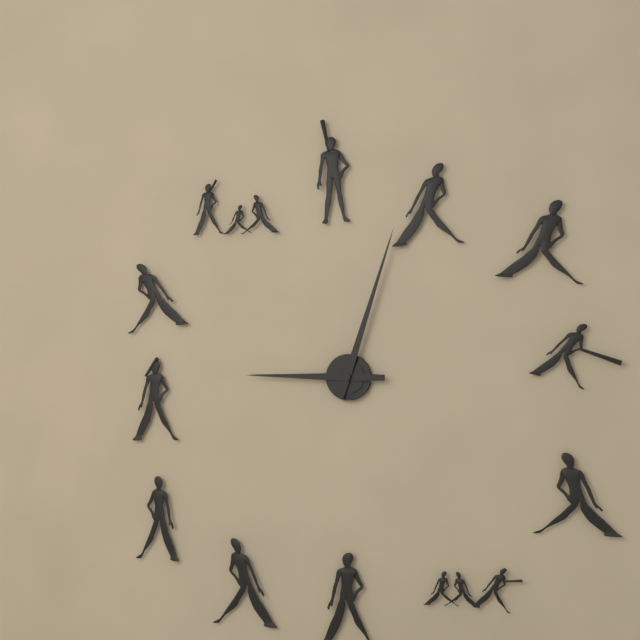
**9:03**
